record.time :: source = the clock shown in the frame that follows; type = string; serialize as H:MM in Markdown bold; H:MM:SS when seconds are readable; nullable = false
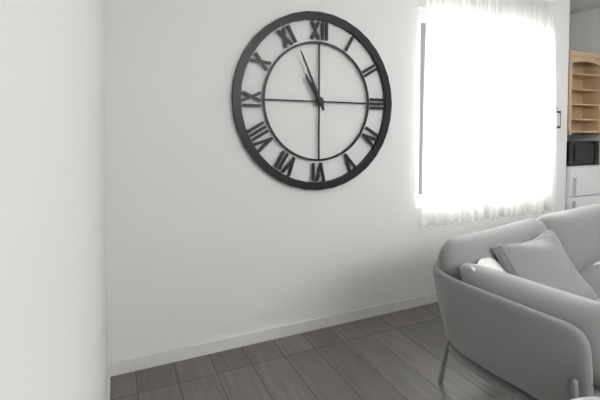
**10:56**
